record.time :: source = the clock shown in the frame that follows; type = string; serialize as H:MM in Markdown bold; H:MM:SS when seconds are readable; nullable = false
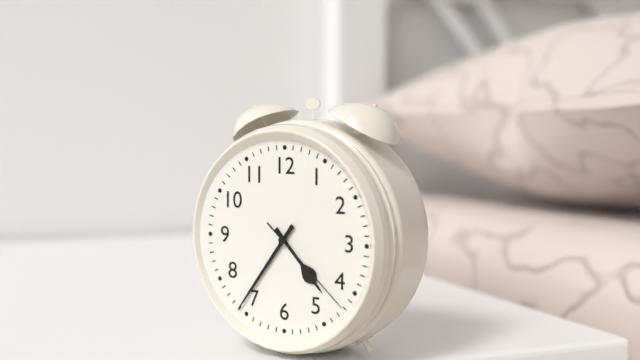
**4:36:22**
